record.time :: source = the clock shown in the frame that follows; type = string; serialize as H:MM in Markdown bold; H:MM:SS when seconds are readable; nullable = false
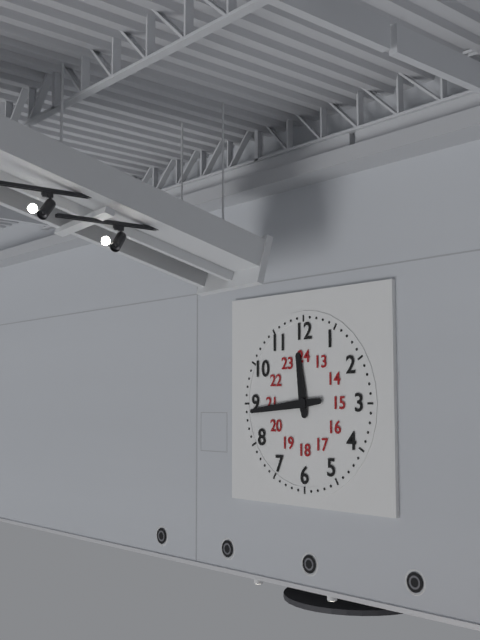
**11:44**
